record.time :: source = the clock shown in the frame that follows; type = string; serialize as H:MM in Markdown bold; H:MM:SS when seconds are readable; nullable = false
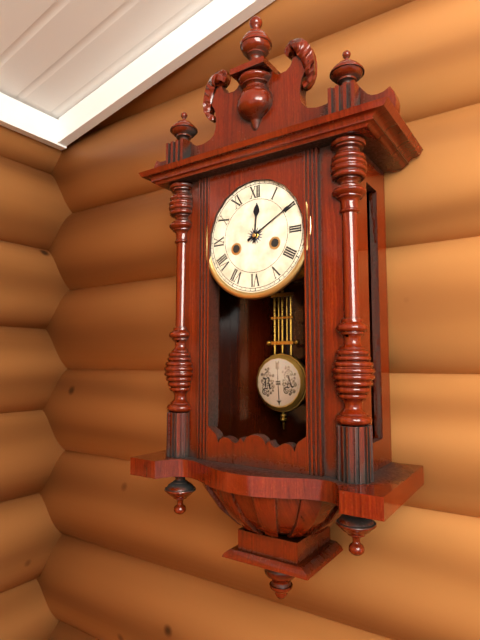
**12:10**
